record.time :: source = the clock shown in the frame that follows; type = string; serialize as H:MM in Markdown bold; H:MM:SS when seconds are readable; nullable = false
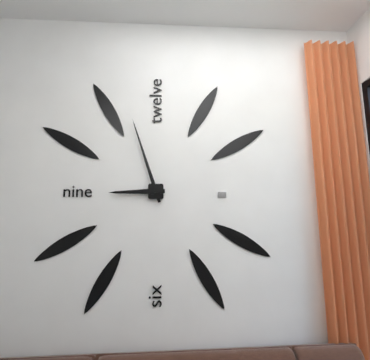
**8:57**
